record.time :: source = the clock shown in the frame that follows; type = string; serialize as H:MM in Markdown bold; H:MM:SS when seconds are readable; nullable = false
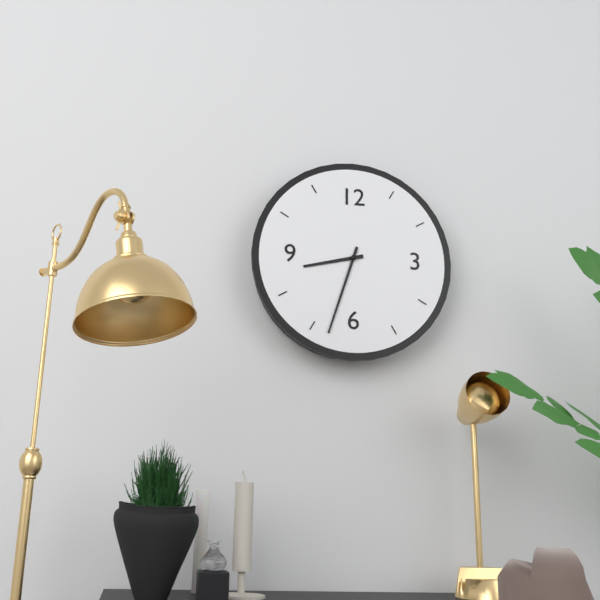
**8:33**
